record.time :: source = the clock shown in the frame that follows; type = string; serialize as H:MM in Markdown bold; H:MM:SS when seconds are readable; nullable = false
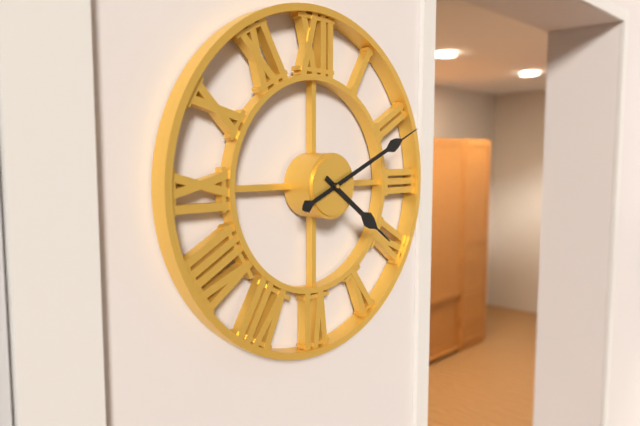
**4:11**
